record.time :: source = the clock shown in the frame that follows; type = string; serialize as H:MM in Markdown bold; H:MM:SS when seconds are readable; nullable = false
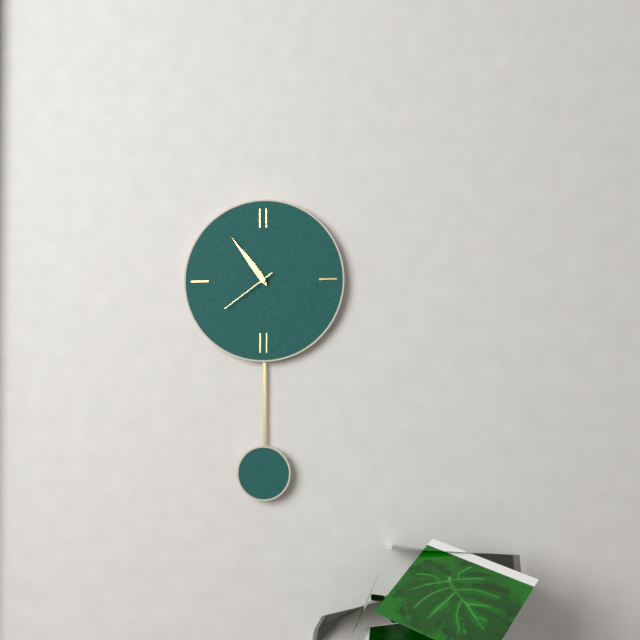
**10:54:39**
